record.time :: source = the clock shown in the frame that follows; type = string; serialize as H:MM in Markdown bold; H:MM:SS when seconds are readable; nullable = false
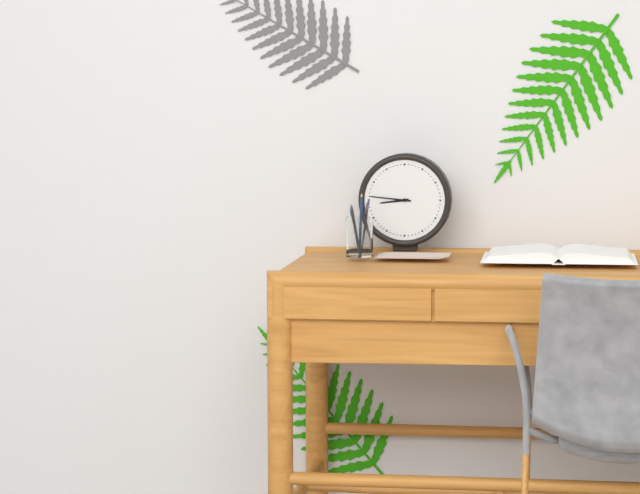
**8:46**
